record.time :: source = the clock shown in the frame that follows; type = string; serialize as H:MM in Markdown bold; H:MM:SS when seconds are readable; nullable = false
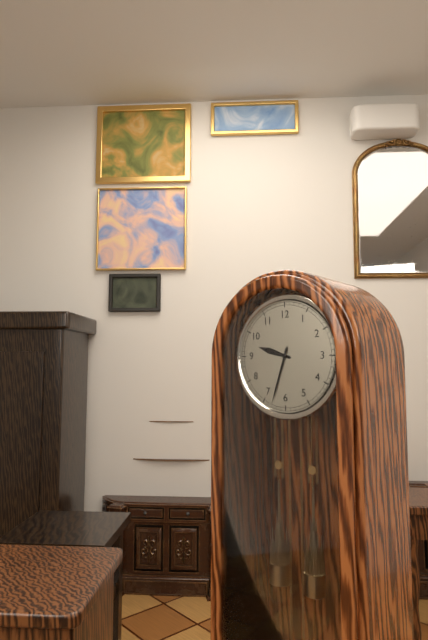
**9:33**
